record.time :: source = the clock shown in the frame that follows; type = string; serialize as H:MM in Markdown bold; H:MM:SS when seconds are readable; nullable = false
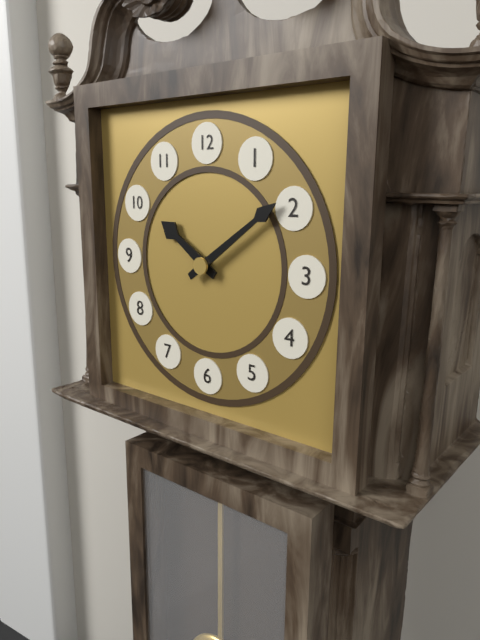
**10:09**
